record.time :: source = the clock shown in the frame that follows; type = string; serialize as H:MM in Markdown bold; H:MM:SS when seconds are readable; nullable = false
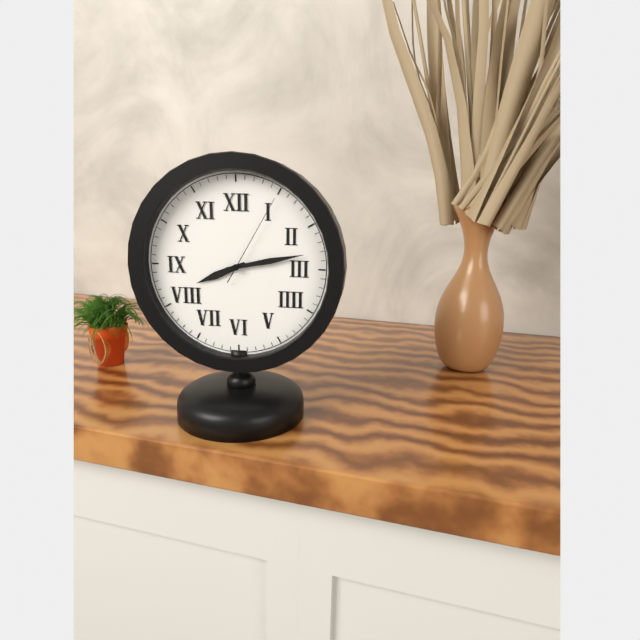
**8:13:05**
